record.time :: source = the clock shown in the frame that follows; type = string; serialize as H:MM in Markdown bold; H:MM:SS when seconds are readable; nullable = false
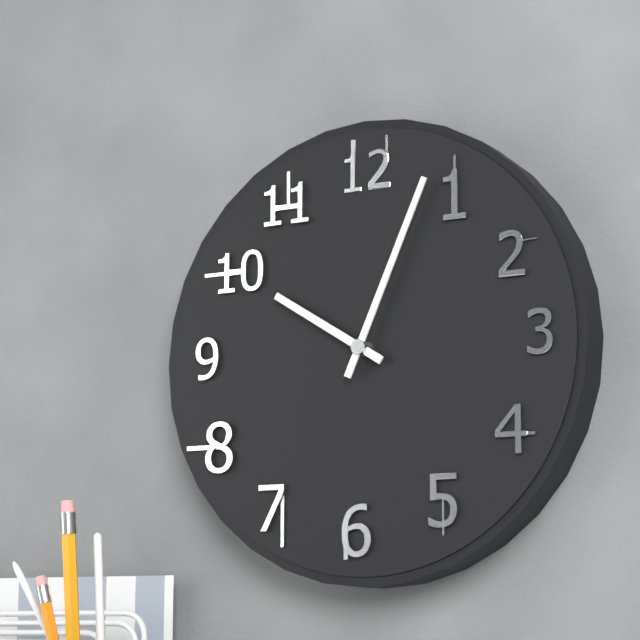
**10:04**
